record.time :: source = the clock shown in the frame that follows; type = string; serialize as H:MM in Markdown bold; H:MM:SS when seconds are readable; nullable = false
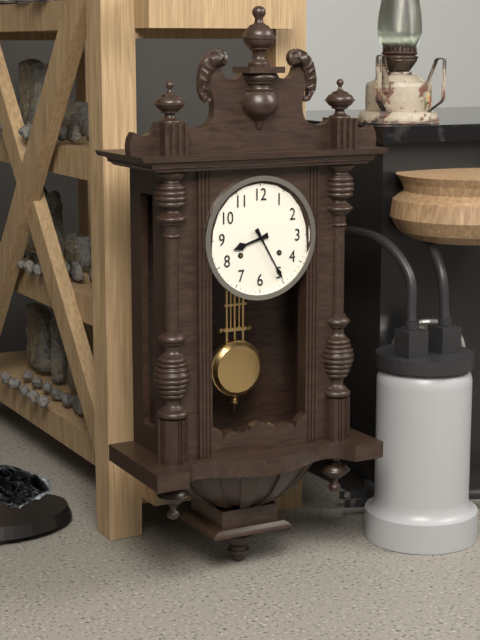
**8:25**
